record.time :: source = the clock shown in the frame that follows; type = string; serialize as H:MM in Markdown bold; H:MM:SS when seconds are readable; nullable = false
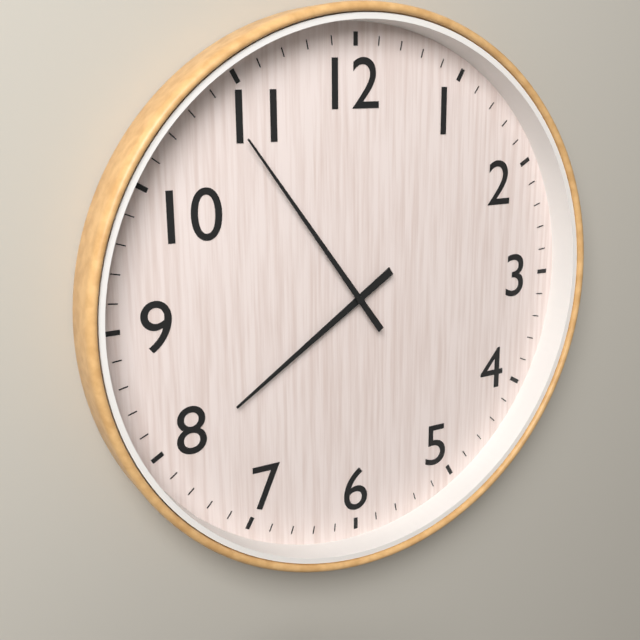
**7:54**
